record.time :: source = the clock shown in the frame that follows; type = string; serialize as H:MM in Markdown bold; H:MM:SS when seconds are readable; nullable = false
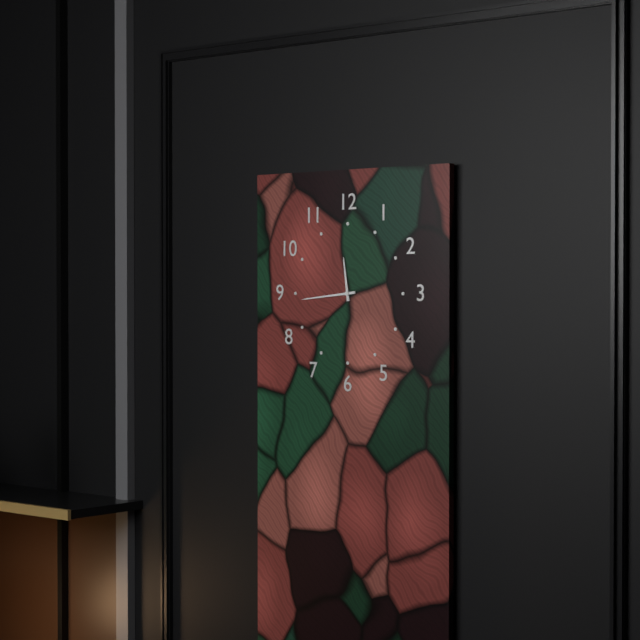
**11:44**
